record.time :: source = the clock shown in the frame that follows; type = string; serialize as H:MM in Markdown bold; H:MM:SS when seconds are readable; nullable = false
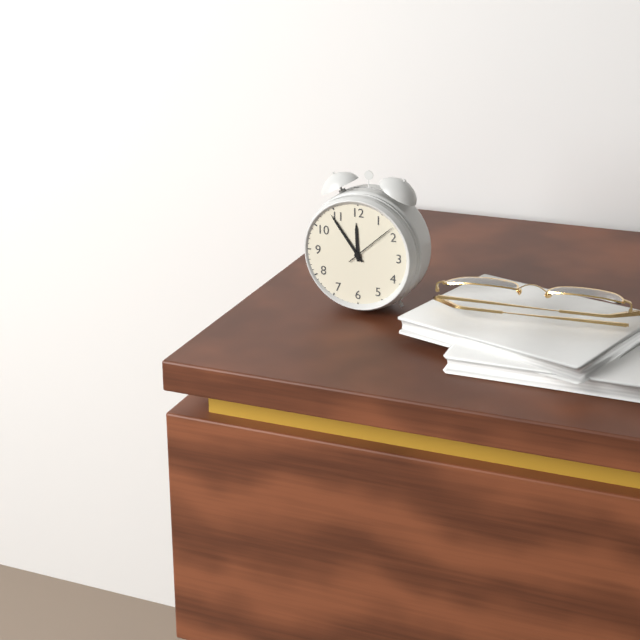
**11:54:08**
